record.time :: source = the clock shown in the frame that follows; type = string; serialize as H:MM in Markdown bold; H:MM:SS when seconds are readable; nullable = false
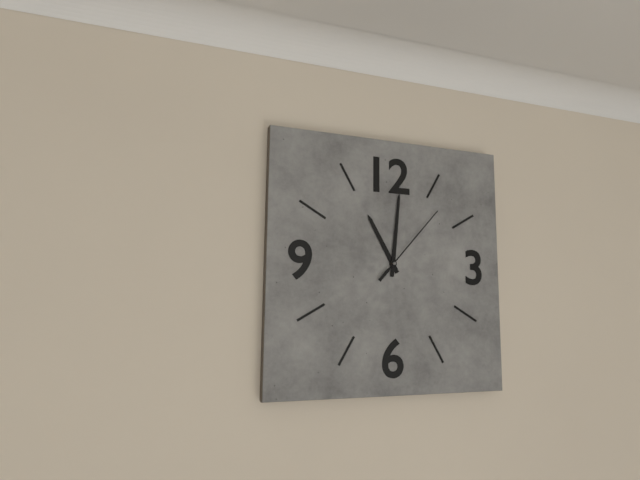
**11:01:07**
